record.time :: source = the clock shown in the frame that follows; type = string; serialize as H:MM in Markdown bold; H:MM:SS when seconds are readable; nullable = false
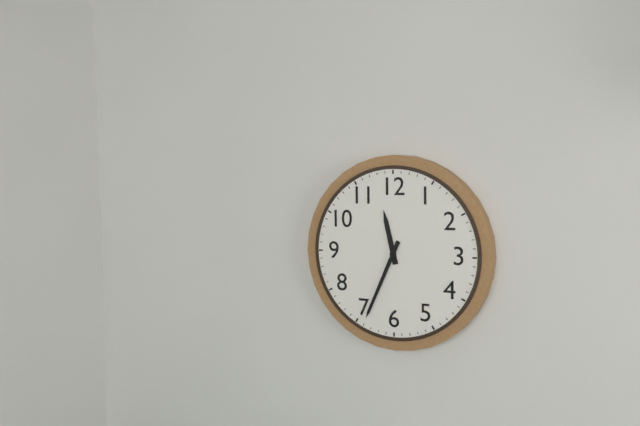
**11:34**
